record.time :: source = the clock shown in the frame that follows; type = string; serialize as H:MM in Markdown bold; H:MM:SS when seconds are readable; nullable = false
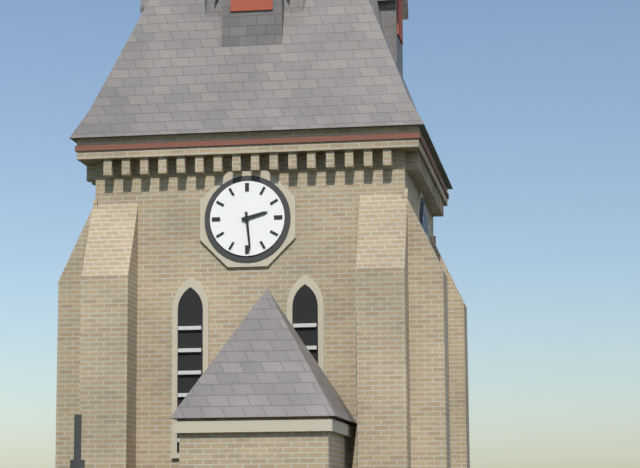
**2:29**
